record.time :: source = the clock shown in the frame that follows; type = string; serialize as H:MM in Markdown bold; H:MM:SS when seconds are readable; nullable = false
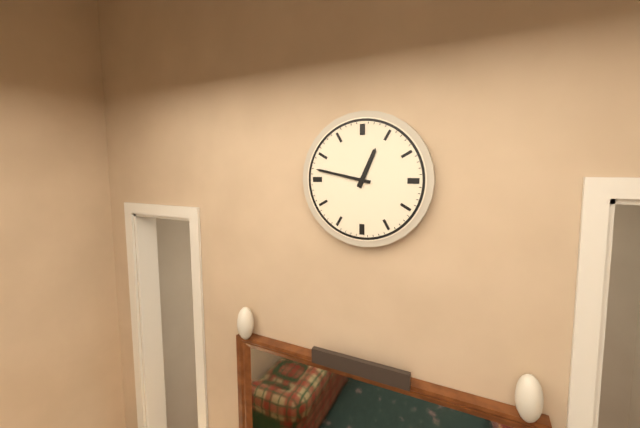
**12:47**
